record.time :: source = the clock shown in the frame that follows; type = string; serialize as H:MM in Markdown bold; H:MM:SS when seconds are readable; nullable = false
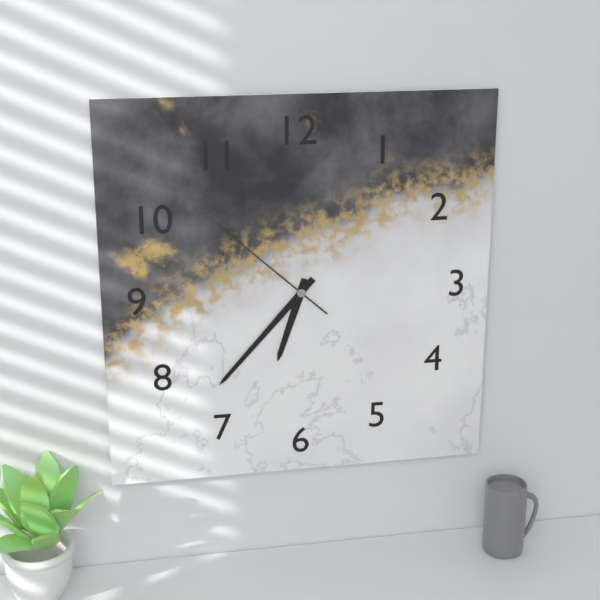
**6:37:52**
